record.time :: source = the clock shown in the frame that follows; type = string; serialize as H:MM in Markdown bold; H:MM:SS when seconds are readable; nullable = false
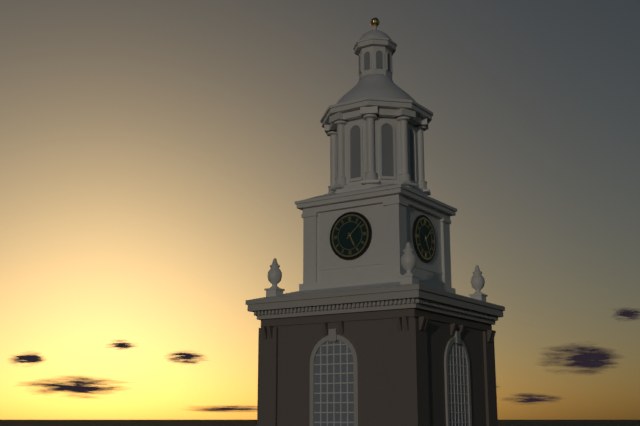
**5:08**
